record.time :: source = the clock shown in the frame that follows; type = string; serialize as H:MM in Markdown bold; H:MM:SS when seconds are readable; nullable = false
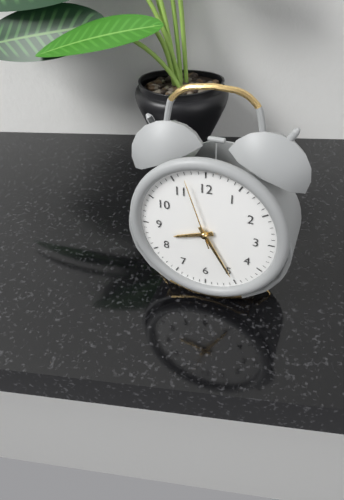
**8:25:57**
